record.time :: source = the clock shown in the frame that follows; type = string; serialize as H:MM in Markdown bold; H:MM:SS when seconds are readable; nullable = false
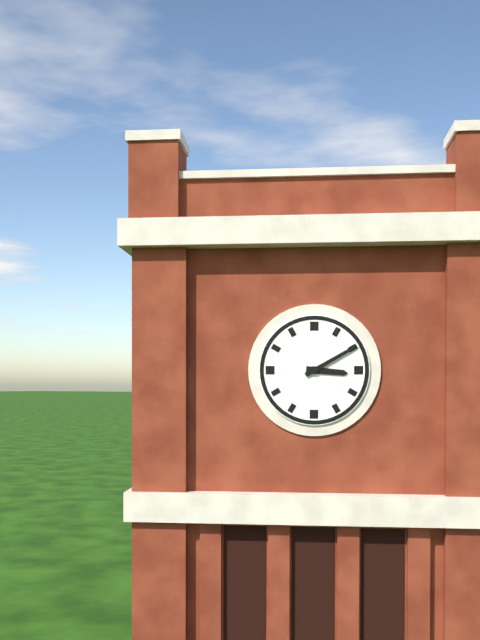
**3:10**
